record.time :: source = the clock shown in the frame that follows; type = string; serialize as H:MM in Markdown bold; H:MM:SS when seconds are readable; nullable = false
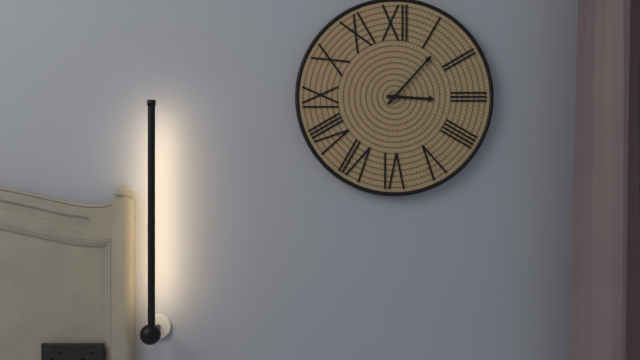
**3:07**
